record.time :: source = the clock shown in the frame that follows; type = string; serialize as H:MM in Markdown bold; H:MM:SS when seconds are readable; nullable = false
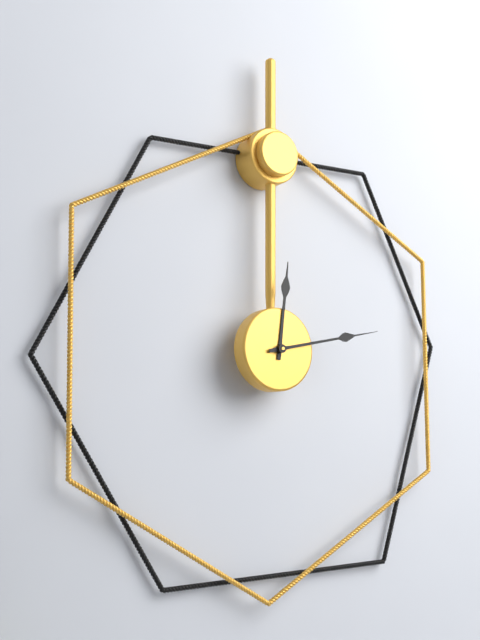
**12:13**
